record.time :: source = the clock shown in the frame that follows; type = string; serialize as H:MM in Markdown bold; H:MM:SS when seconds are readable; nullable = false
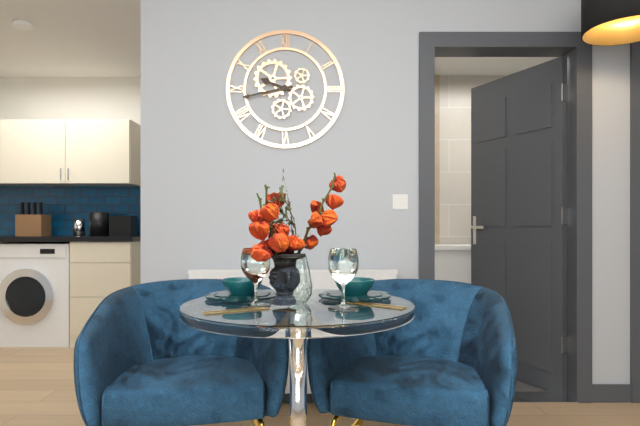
**9:43**
